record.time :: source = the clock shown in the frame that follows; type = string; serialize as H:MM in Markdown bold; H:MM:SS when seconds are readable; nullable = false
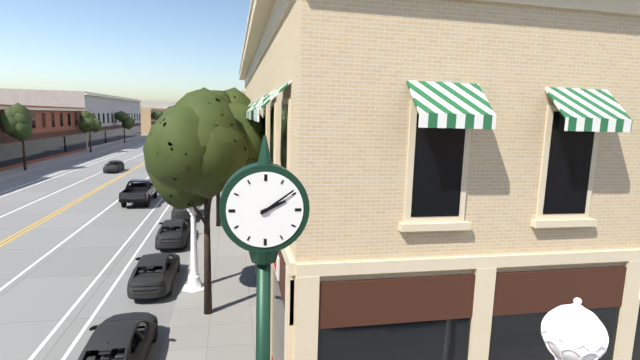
**2:09**
